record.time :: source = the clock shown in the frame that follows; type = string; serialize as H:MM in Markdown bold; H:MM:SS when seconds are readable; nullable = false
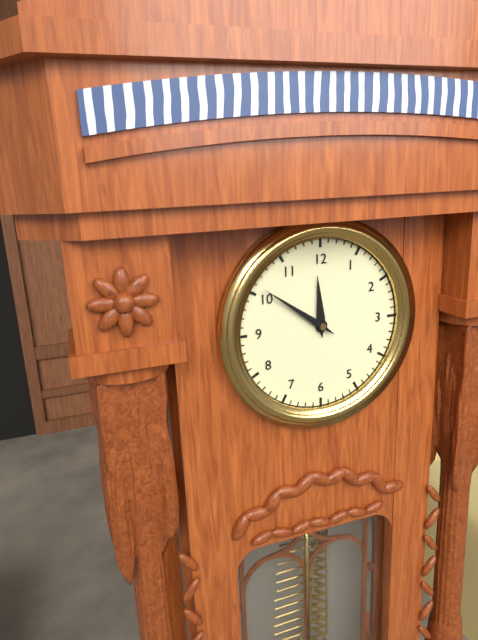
**11:51**
